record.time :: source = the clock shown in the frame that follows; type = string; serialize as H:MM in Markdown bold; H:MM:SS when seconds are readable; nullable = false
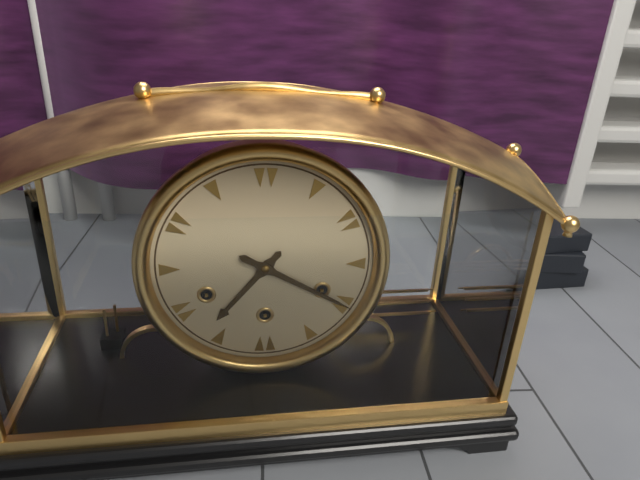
**7:20**
